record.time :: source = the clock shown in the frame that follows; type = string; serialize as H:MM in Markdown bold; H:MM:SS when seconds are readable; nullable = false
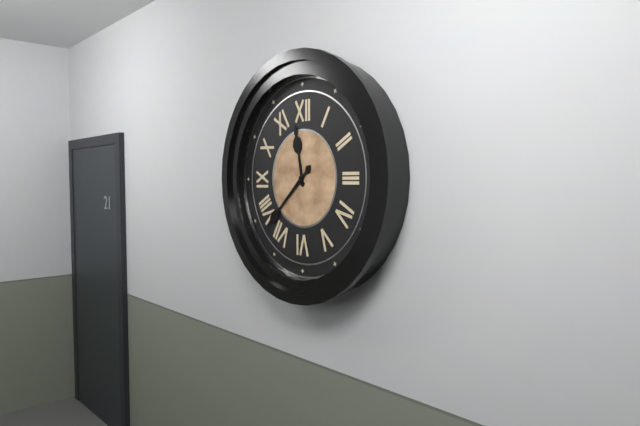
**11:38**
